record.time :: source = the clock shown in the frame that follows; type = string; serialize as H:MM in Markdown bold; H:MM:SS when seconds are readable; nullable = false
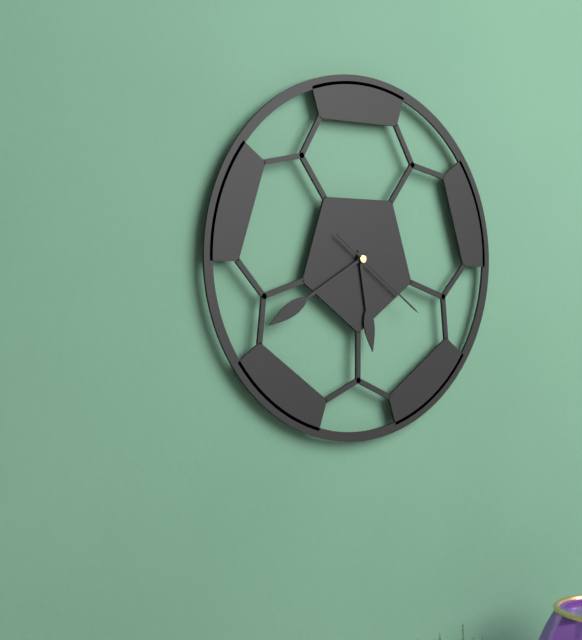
**5:40:21**
